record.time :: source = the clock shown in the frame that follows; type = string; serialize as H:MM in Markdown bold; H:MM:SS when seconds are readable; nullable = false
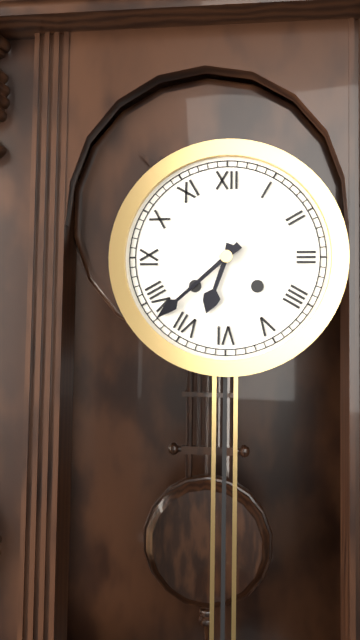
**6:38**
